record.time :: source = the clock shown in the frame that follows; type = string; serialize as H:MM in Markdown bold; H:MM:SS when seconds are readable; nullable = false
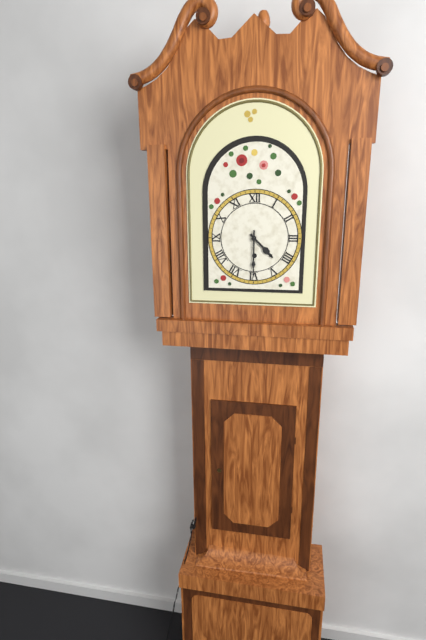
**4:30**
